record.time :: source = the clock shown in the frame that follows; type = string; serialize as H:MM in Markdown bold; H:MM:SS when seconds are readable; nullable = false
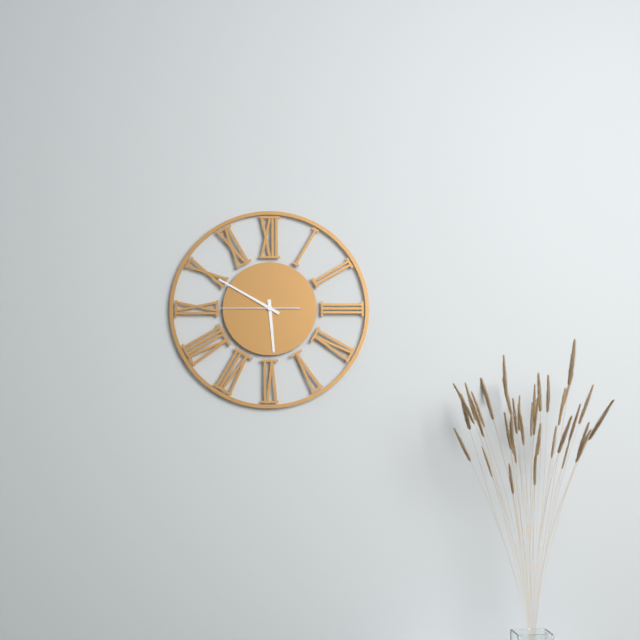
**5:50:45**
